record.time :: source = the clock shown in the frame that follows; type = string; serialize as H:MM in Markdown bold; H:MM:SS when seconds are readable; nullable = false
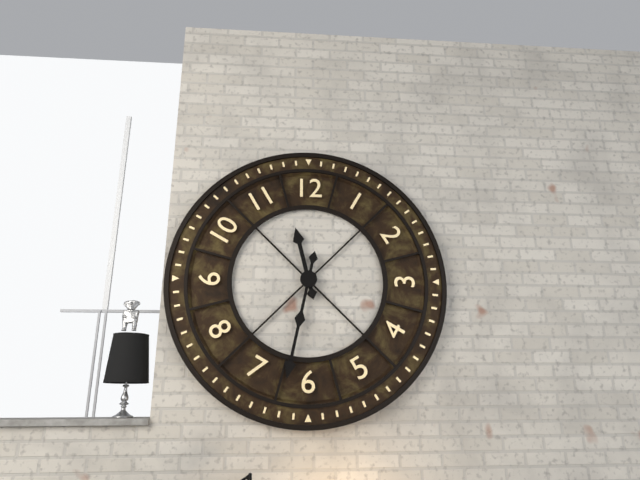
**11:32**
